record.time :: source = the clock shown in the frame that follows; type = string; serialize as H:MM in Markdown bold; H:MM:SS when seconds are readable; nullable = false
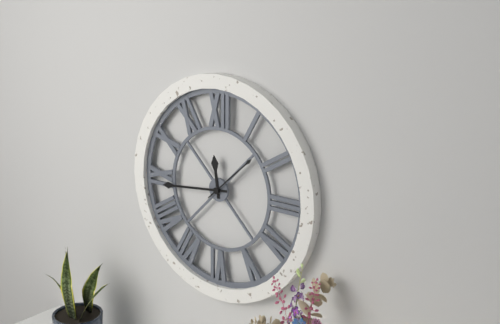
**11:44:08**
